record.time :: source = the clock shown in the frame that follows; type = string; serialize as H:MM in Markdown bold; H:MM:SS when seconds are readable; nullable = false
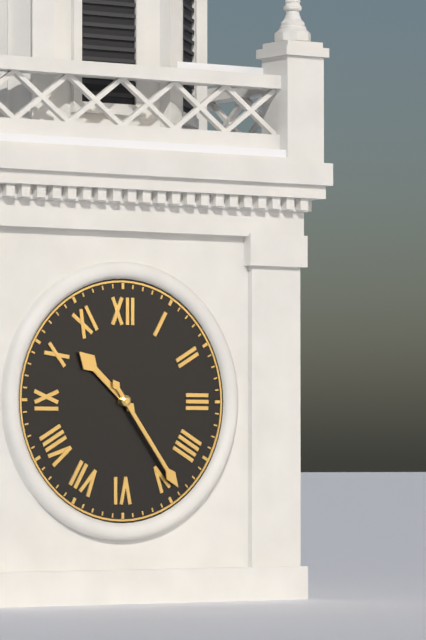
**10:24**
